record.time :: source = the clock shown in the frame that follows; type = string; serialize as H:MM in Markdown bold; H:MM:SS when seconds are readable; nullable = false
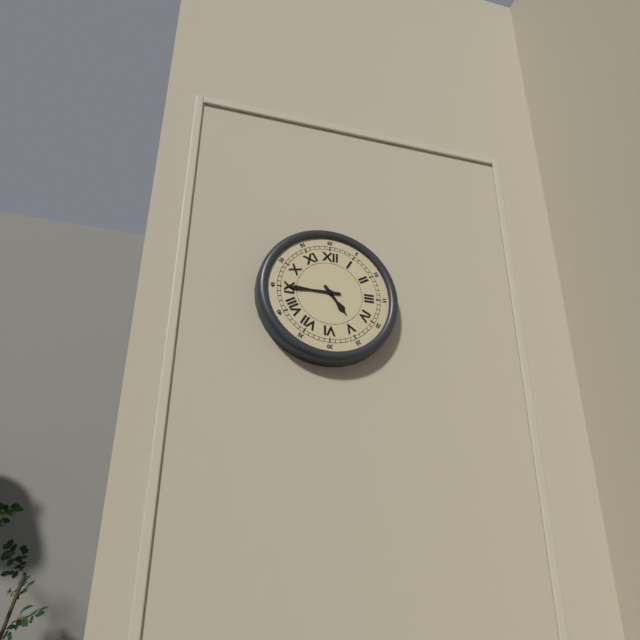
**4:45**
